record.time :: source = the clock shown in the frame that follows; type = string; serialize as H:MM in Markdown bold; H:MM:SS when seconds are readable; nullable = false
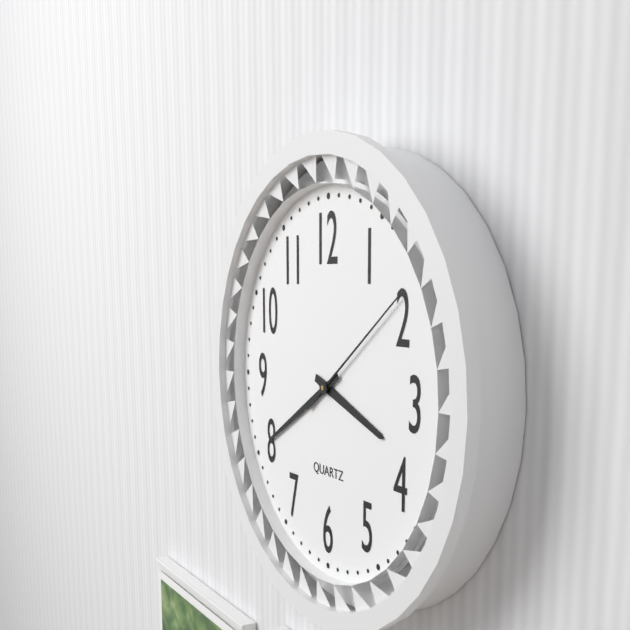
**3:40:09**
